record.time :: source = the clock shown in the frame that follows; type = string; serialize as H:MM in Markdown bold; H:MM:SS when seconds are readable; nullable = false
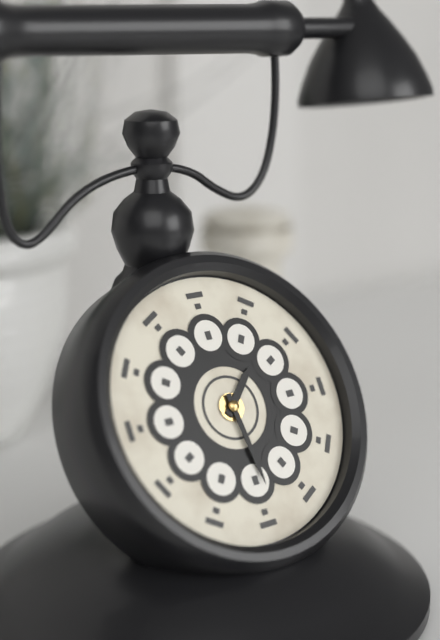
**1:29**
